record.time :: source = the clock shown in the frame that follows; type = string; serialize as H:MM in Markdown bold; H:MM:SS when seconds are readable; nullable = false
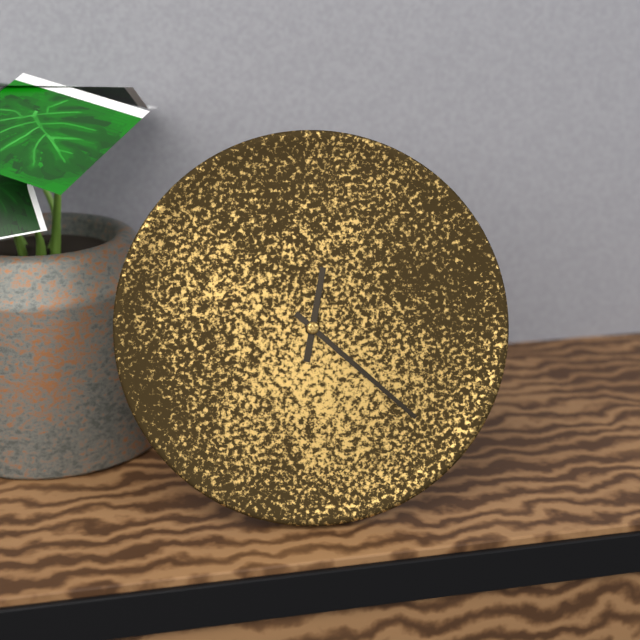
**12:22**
